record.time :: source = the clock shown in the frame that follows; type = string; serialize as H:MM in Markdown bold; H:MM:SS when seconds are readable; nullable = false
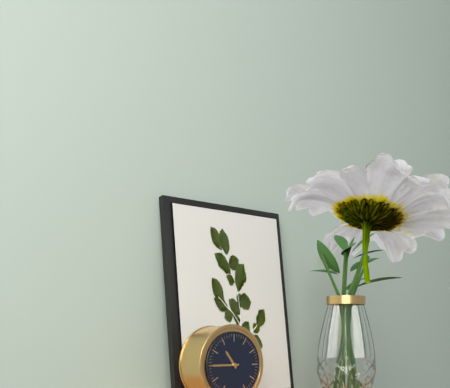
**10:45**
